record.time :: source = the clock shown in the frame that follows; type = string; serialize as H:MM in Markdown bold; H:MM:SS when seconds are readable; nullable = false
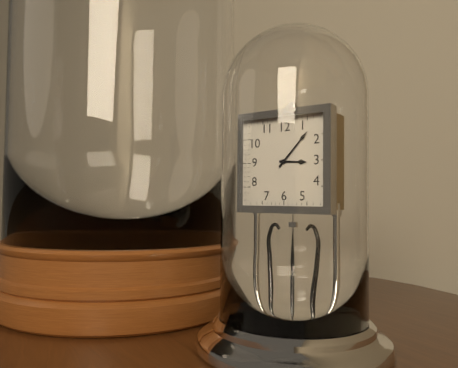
**3:07**
